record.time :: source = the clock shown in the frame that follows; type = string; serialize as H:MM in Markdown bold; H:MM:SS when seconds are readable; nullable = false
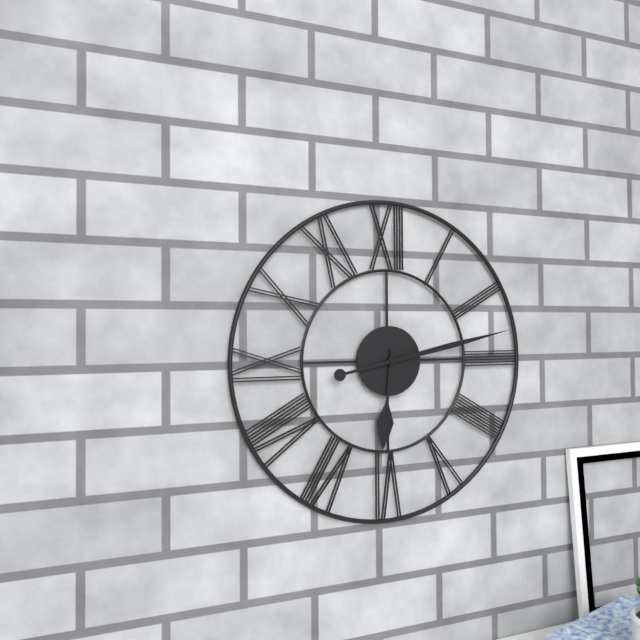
**6:13**
